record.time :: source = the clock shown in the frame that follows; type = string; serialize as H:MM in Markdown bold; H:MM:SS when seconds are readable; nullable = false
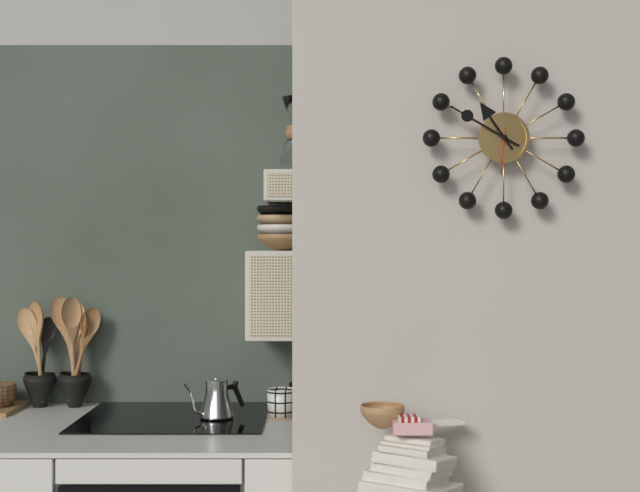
**10:50**
